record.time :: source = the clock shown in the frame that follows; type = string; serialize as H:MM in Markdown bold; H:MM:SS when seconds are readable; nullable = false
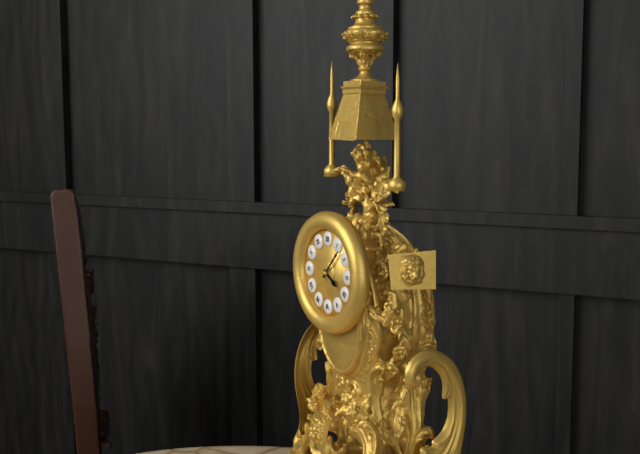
**4:07**
